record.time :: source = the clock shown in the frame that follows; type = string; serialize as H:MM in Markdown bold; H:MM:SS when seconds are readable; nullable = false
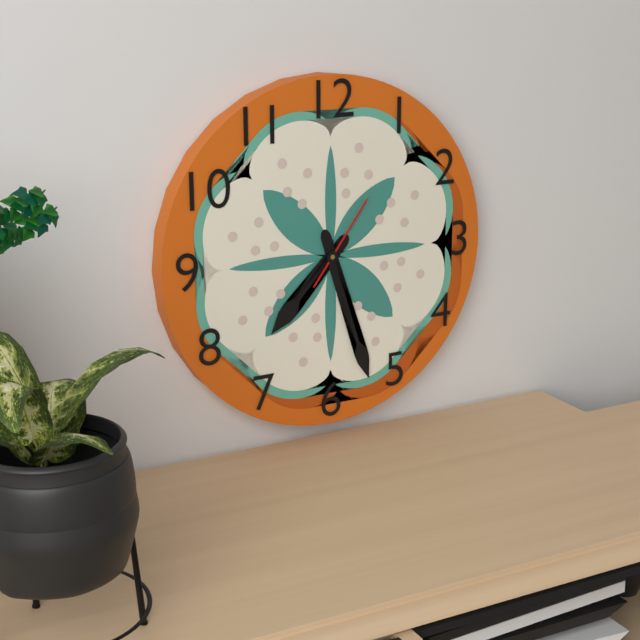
**7:27:06**
